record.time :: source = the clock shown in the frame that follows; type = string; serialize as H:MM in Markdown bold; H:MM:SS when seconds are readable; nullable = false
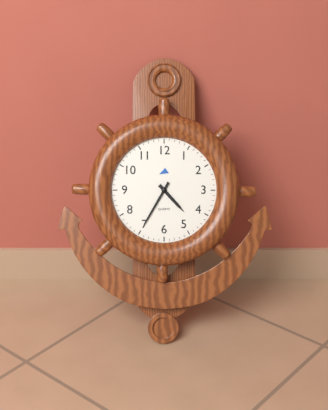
**4:35**
